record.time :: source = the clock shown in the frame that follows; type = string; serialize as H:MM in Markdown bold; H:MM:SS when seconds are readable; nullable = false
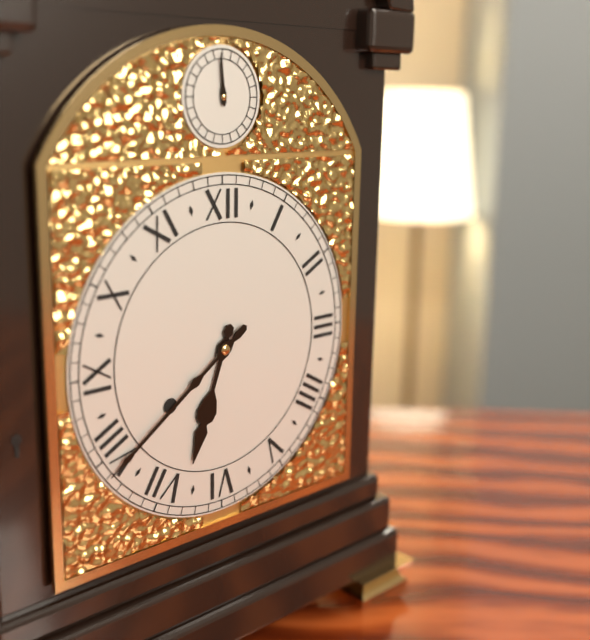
**6:39**
